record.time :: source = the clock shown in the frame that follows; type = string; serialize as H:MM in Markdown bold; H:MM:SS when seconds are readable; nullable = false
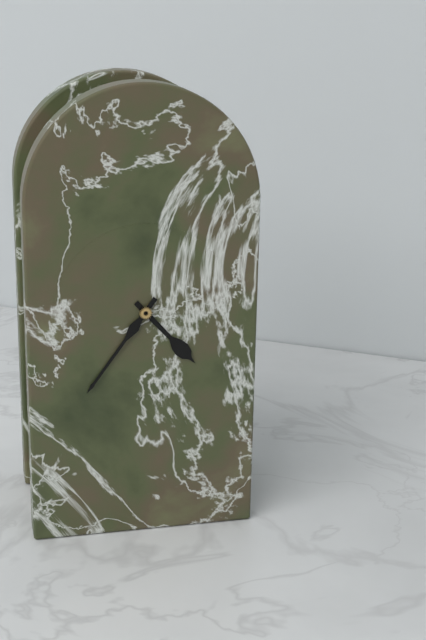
**4:36**
